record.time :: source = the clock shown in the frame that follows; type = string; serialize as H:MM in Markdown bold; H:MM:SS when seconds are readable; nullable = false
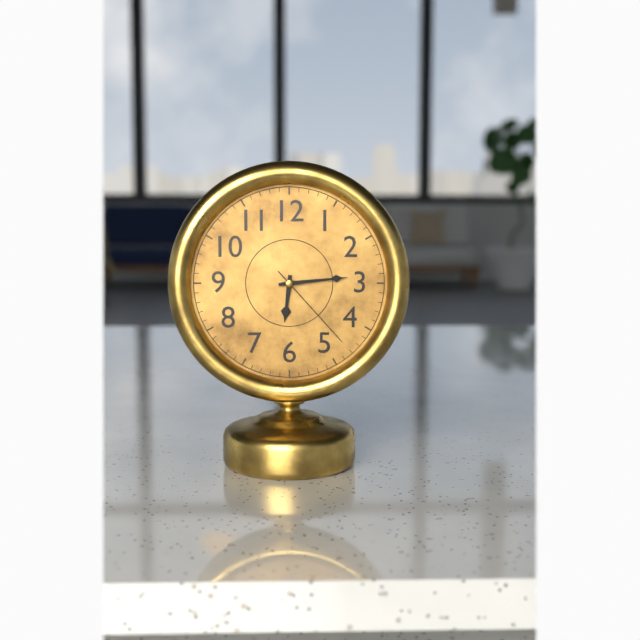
**6:14:23**
